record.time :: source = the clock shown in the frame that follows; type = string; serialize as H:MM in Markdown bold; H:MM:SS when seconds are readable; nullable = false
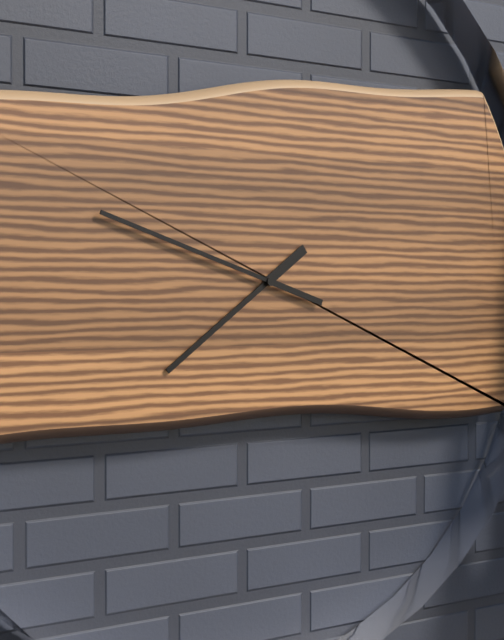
**7:48**
